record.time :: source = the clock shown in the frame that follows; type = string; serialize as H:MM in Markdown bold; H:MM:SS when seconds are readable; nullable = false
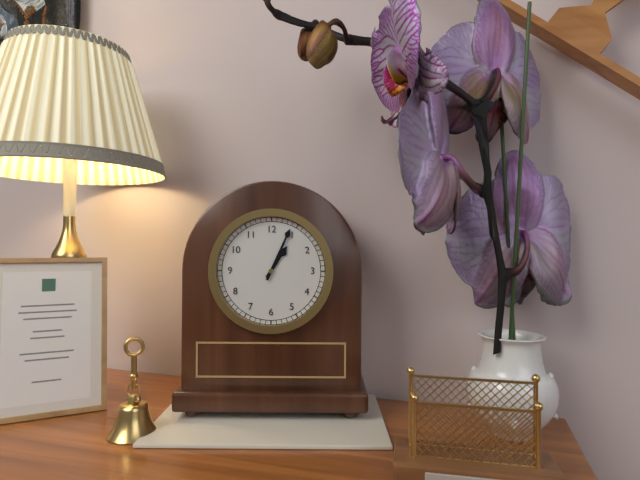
**1:04**
